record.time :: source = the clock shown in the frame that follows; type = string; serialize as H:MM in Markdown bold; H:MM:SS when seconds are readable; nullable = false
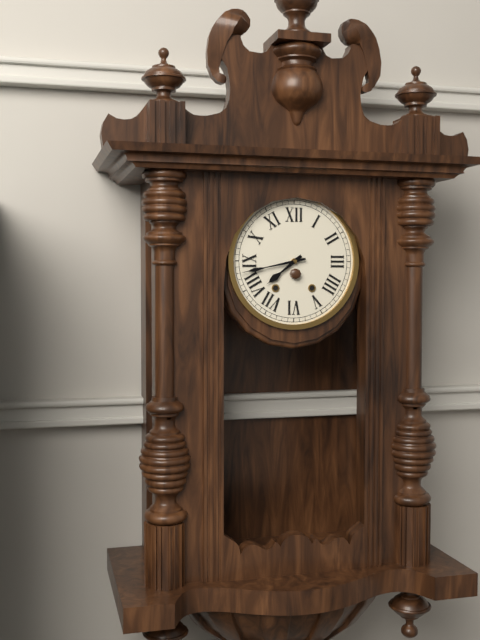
**7:43**
